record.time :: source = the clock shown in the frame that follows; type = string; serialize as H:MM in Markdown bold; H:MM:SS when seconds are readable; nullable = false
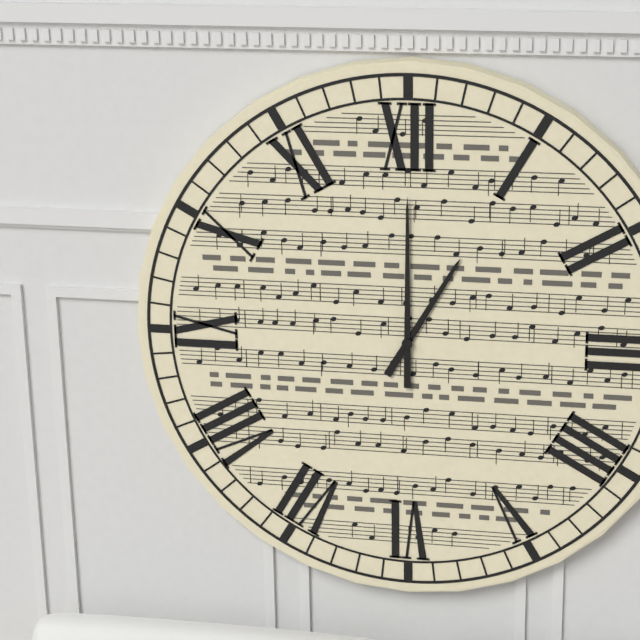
**1:00**
